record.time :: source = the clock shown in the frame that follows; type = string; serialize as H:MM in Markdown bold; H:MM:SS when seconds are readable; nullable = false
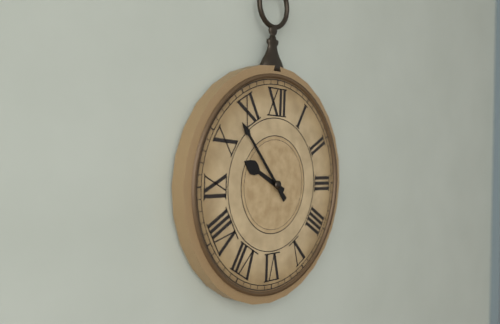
**9:53**
